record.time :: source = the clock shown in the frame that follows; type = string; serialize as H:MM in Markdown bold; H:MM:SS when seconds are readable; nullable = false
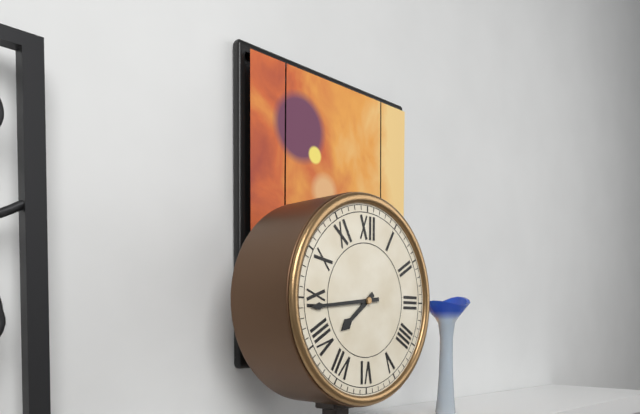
**7:44**
